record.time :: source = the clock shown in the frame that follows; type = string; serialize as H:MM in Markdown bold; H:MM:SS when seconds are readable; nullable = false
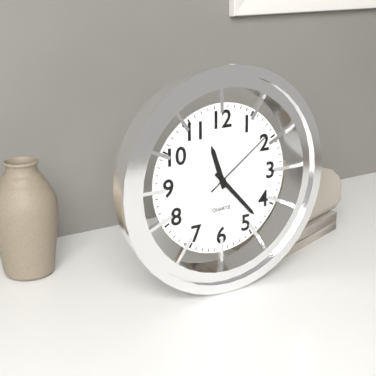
**11:23:09**
